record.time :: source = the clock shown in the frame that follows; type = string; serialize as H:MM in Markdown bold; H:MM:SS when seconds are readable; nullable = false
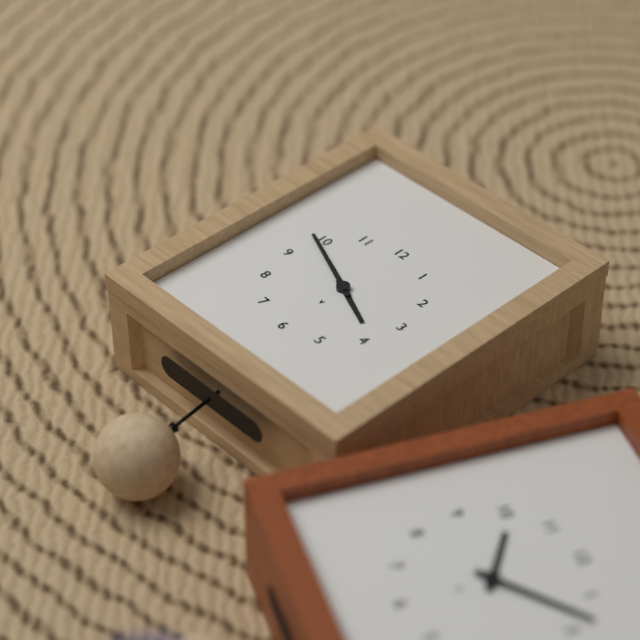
**3:49**
